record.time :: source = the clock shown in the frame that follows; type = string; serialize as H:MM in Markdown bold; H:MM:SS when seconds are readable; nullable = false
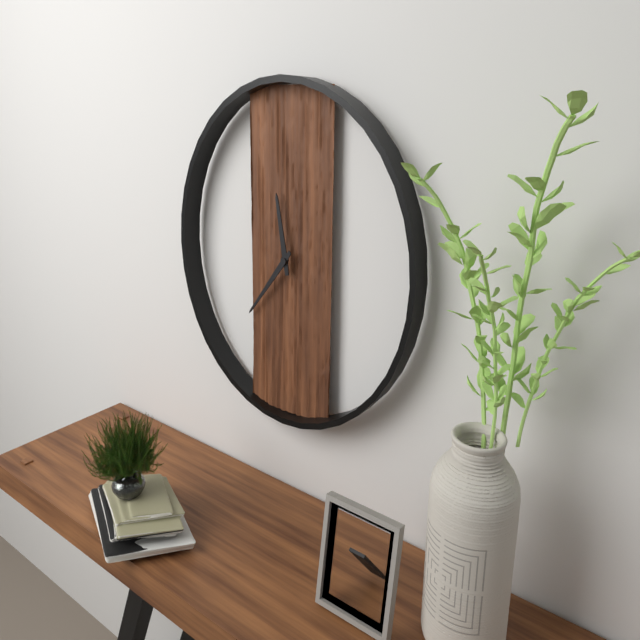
**11:37**
